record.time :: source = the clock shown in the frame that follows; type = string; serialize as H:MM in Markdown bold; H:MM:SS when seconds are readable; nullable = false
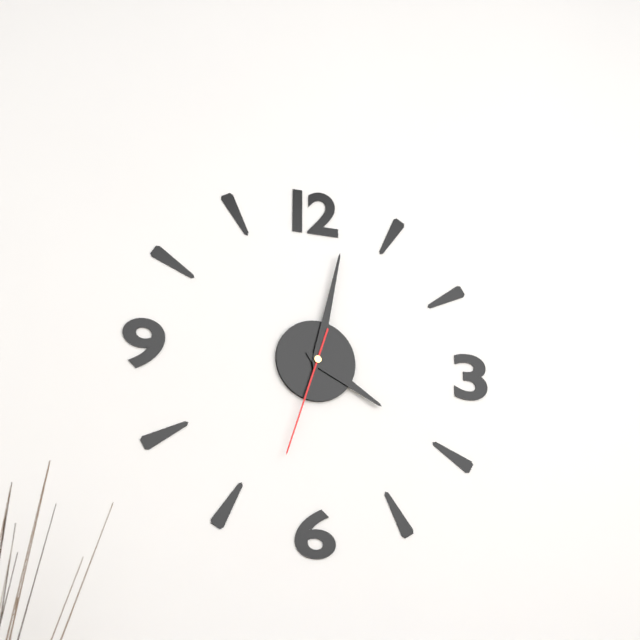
**4:02:33**
